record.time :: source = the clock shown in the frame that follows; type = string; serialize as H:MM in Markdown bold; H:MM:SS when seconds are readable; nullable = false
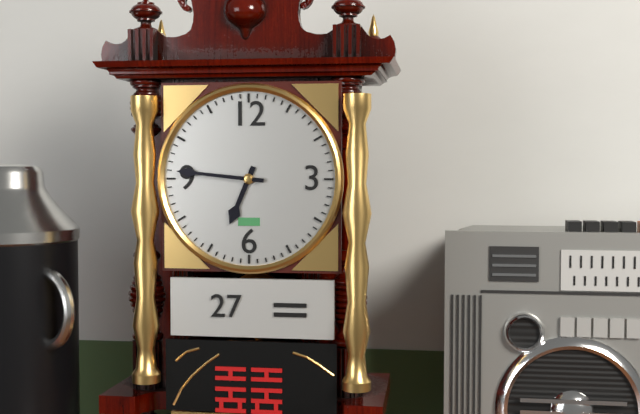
**6:46**
